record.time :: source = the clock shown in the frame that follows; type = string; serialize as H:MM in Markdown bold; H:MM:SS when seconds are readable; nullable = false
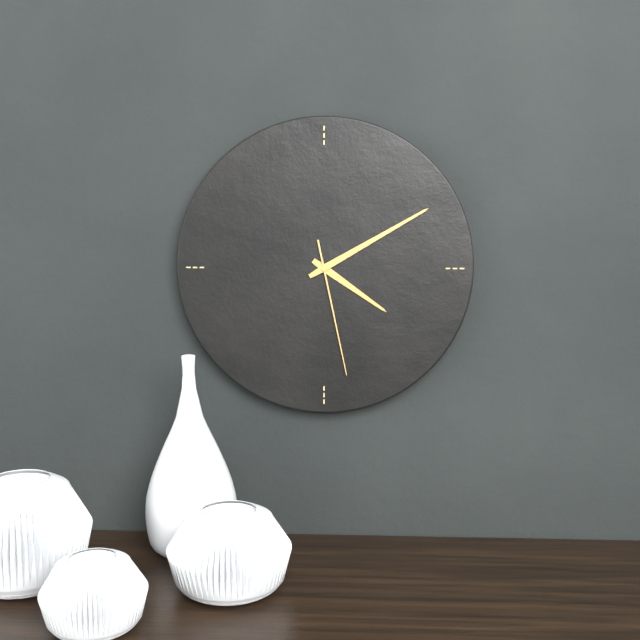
**4:10:28**
